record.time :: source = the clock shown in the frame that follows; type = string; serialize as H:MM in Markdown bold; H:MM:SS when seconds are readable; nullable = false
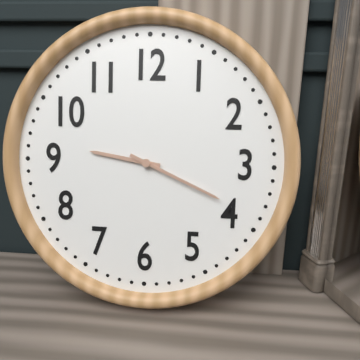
**9:19**
